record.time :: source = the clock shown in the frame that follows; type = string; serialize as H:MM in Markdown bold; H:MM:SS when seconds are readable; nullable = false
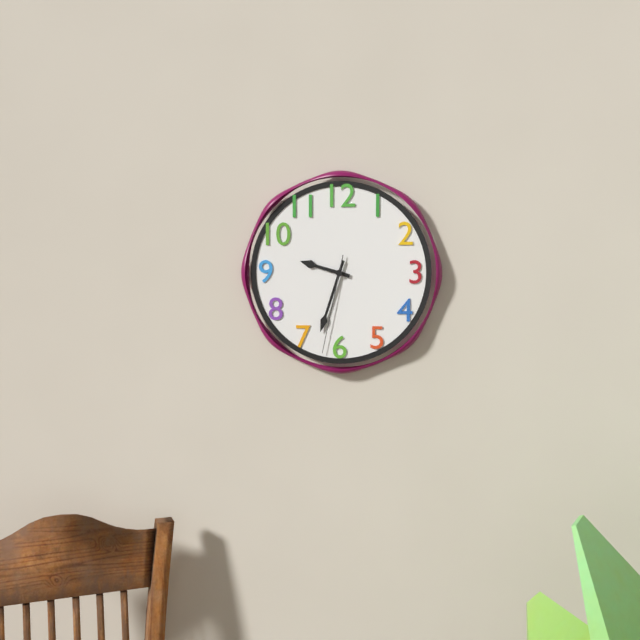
**9:33:32**
